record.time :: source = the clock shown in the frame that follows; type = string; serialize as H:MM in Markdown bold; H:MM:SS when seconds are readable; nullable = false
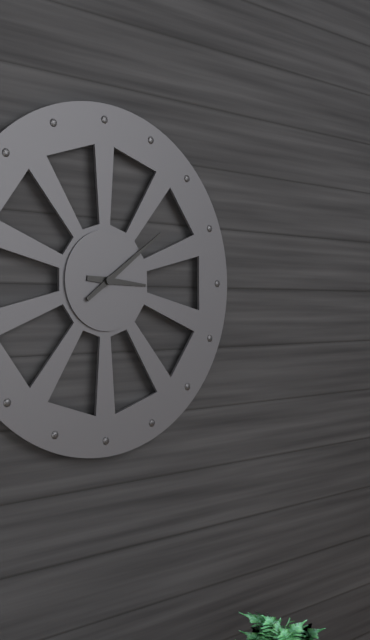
**3:09**
